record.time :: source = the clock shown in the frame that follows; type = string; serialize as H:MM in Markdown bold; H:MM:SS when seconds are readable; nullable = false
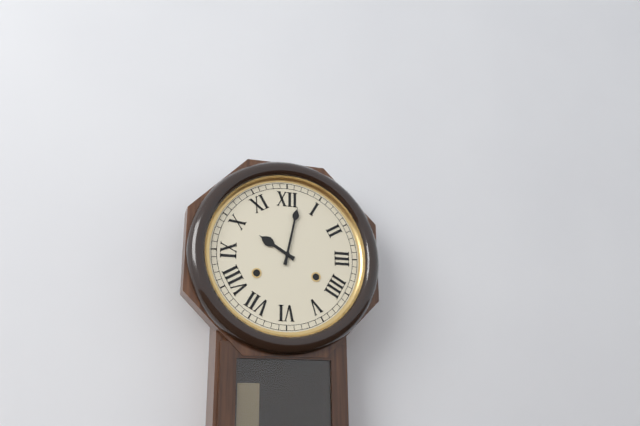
**10:02**
